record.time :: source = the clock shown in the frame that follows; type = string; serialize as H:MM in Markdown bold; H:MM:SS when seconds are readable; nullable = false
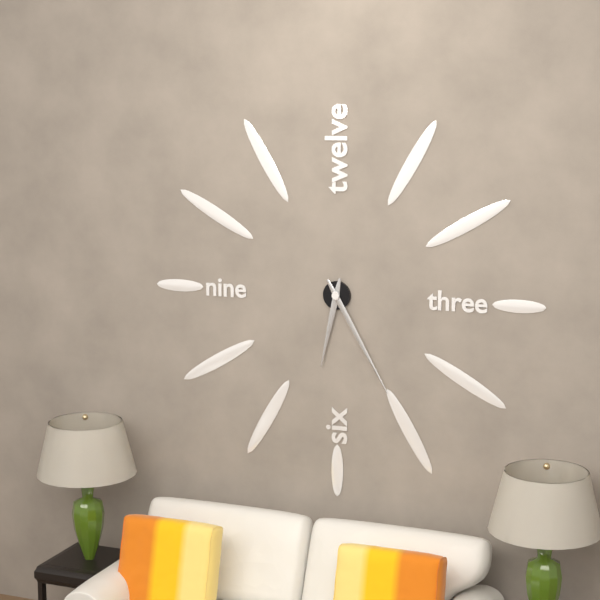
**6:25**
